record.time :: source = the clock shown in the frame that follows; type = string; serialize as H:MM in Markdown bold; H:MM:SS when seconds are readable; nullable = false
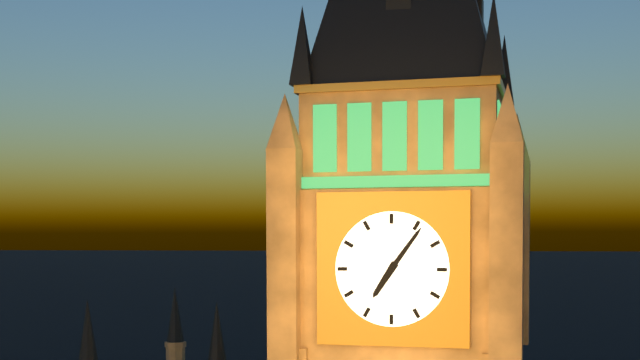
**7:06**
